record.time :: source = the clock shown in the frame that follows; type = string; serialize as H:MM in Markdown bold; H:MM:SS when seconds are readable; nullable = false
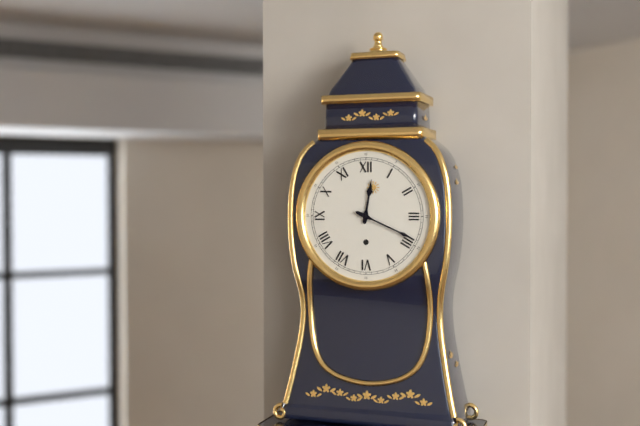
**12:19**
